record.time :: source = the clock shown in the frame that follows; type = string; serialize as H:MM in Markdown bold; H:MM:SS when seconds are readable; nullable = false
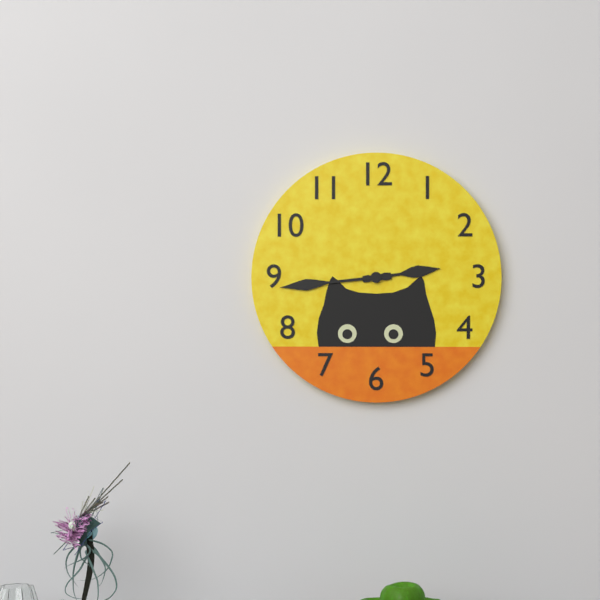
**2:44**
